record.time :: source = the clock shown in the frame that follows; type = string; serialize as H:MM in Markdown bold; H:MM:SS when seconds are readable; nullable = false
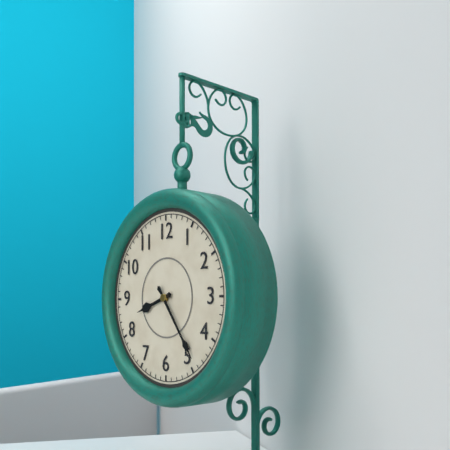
**8:24**
